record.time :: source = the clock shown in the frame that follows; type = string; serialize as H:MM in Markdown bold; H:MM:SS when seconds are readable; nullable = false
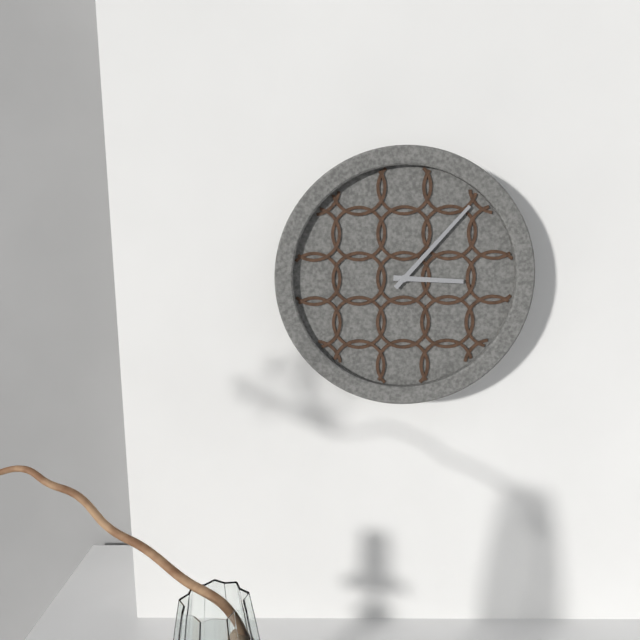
**3:07**
